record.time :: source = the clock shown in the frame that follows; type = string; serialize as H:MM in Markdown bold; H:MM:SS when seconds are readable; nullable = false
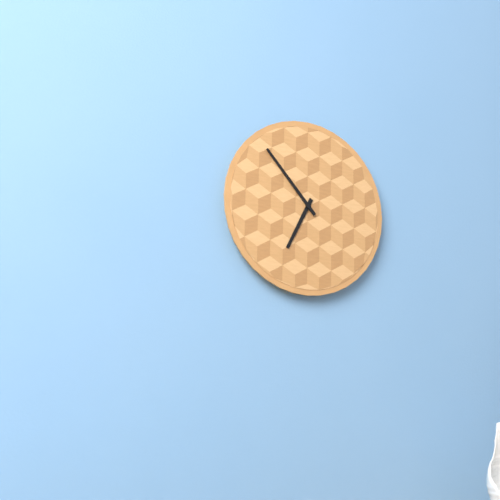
**6:53**
